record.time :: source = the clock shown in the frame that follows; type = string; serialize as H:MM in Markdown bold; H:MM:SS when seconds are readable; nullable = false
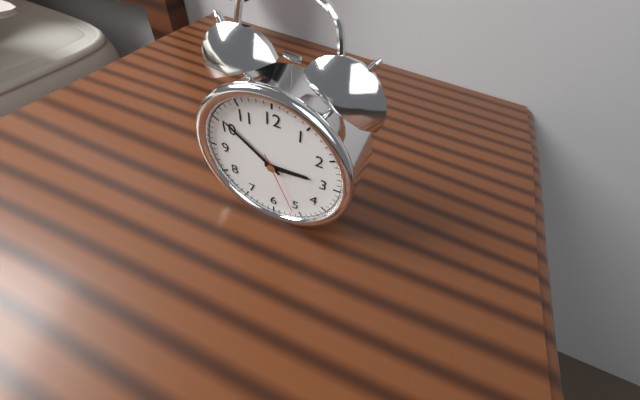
**2:51:26**
